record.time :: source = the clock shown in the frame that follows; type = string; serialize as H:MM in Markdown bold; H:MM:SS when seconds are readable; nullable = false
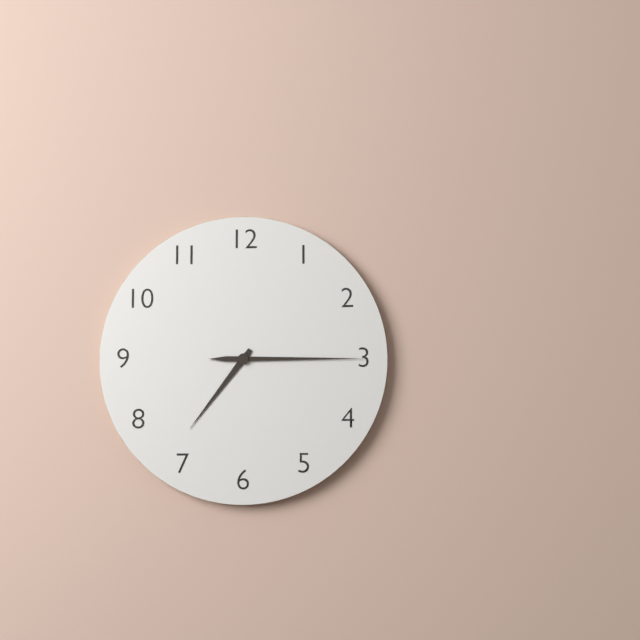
**7:15**
